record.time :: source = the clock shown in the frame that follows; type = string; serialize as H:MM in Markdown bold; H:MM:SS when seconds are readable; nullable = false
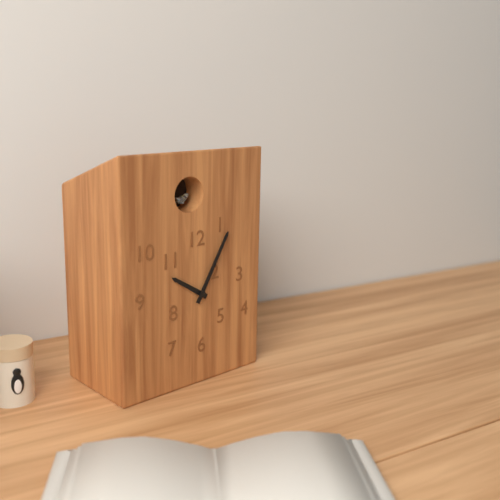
**10:05**
